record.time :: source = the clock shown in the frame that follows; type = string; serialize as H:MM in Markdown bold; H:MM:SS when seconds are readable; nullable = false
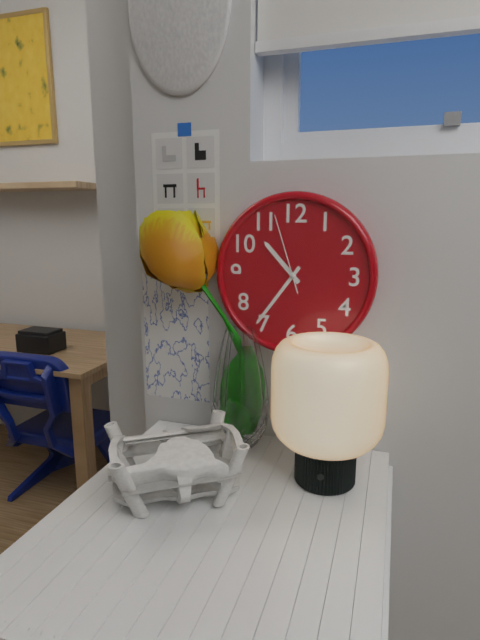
**10:36:57**
